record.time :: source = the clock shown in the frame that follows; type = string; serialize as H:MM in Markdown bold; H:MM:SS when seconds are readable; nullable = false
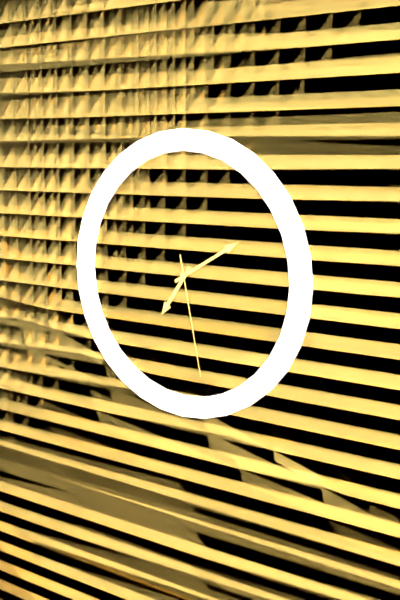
**7:10:28**
